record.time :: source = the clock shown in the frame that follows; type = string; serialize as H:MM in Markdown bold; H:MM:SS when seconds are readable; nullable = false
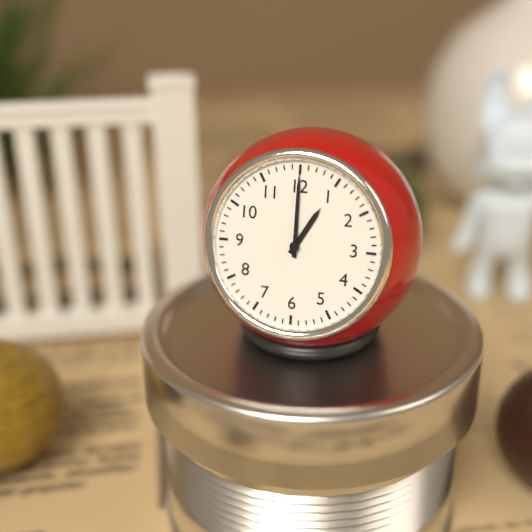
**1:00**
